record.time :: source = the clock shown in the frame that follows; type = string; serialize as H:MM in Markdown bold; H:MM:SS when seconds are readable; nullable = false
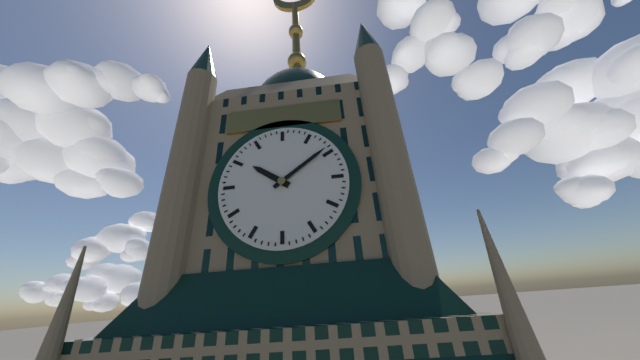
**10:09**
